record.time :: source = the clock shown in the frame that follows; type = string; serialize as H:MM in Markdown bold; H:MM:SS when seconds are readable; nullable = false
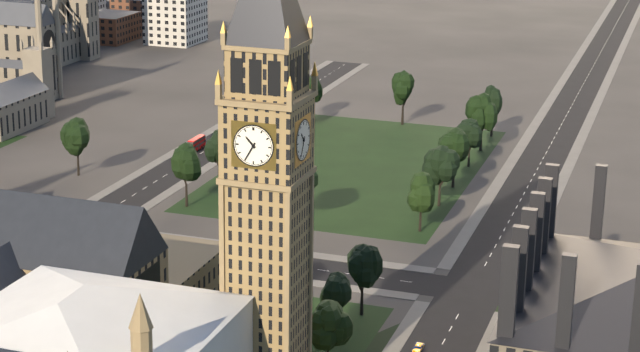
**10:35**
